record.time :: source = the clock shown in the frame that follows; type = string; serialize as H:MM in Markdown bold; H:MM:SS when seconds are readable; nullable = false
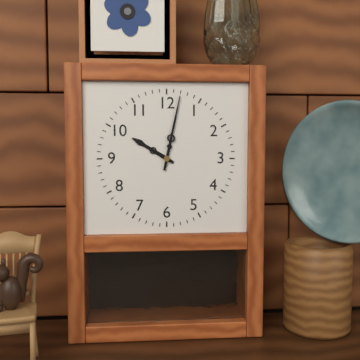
**10:02**
